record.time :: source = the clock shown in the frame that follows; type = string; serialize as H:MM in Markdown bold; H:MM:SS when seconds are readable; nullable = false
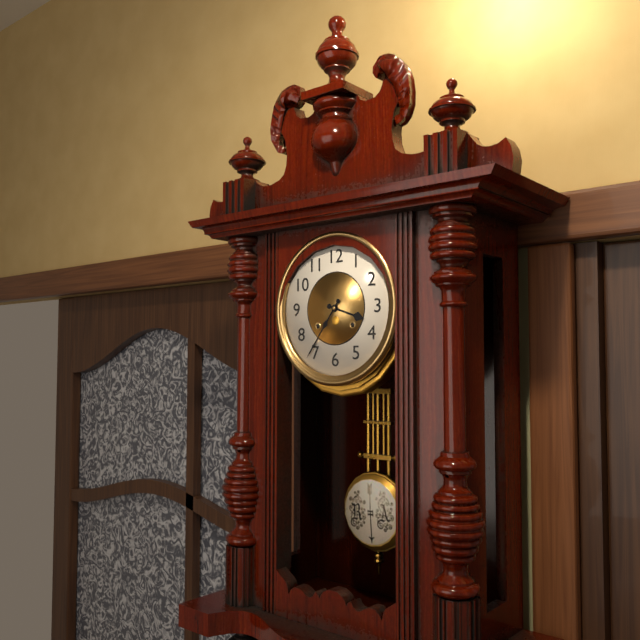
**3:36**
